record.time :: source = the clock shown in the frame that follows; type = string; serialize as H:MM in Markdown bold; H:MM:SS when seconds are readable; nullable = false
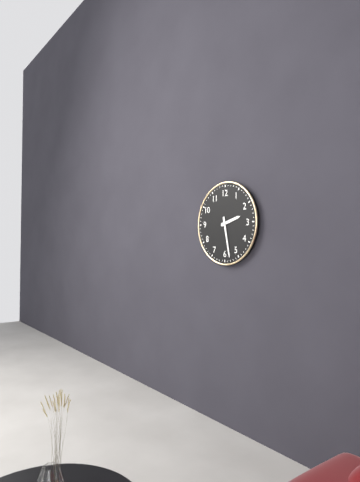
**2:28**
